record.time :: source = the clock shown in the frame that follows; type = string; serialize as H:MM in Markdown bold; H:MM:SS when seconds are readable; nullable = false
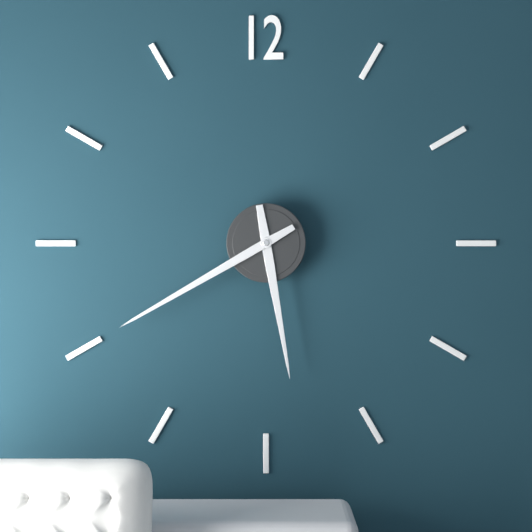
**5:40**
